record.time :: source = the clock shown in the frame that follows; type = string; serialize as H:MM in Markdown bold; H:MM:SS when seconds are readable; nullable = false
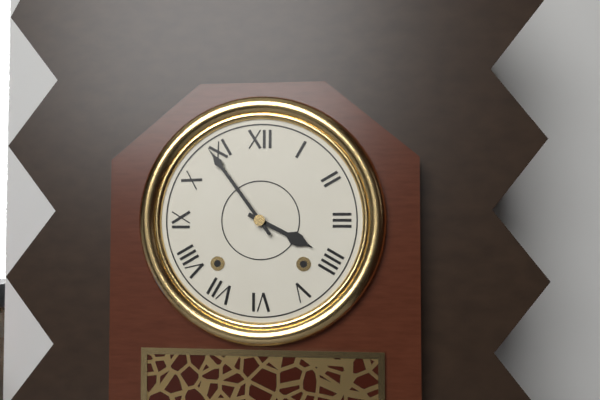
**3:54**
